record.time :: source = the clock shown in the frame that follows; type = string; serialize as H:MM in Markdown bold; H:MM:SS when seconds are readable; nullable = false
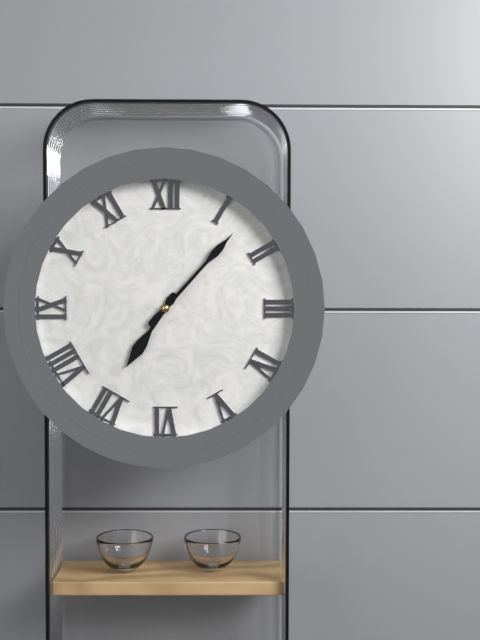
**7:07**
